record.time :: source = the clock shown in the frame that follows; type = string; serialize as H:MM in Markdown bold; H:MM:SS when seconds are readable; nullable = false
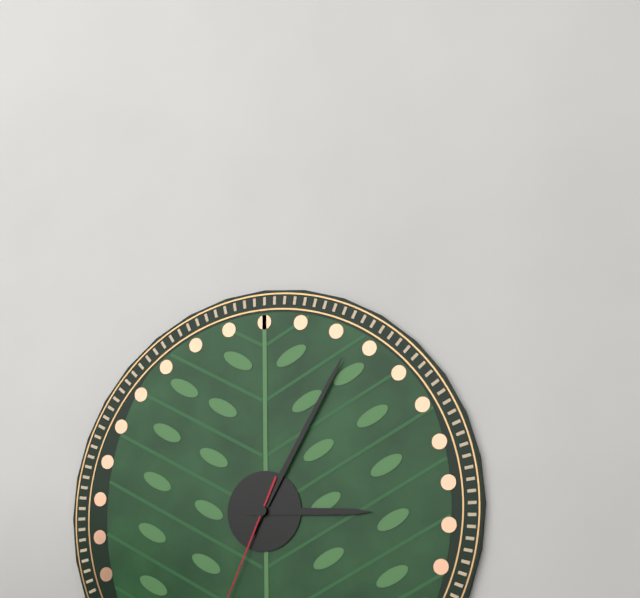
**3:05**
